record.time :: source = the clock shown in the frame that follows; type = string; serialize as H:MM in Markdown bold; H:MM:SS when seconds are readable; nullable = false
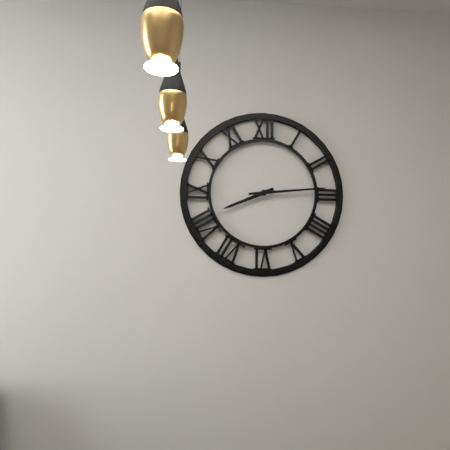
**8:14**
